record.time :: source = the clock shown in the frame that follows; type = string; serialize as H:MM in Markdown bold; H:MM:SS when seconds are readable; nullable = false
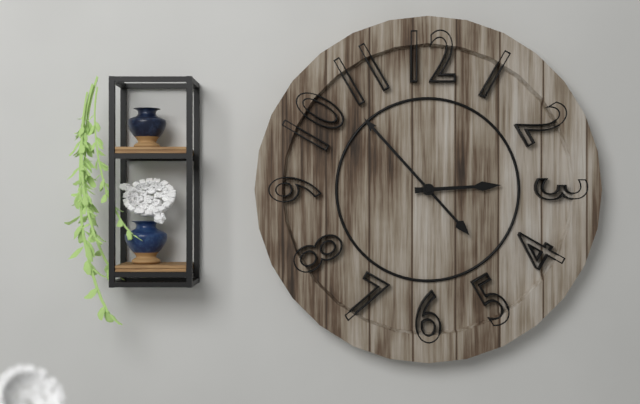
**2:53**
